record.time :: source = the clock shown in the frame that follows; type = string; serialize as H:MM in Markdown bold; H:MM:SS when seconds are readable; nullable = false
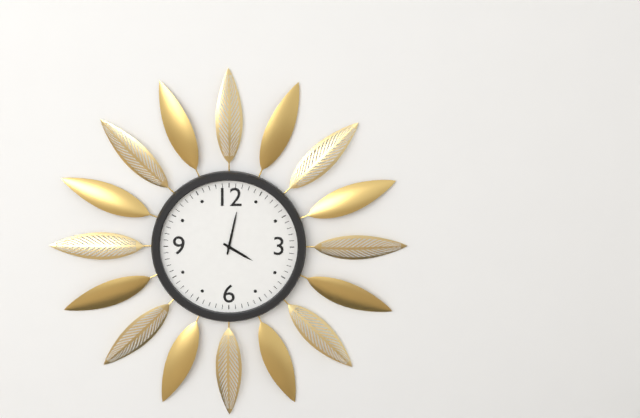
**4:02**
